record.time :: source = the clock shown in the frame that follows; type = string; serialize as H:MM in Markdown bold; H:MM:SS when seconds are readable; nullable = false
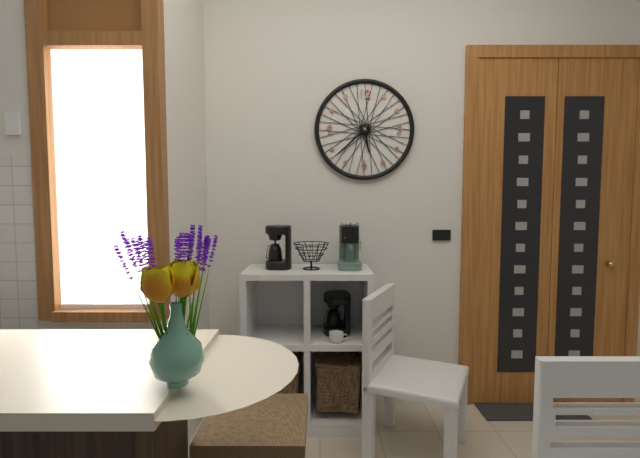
**5:38**
